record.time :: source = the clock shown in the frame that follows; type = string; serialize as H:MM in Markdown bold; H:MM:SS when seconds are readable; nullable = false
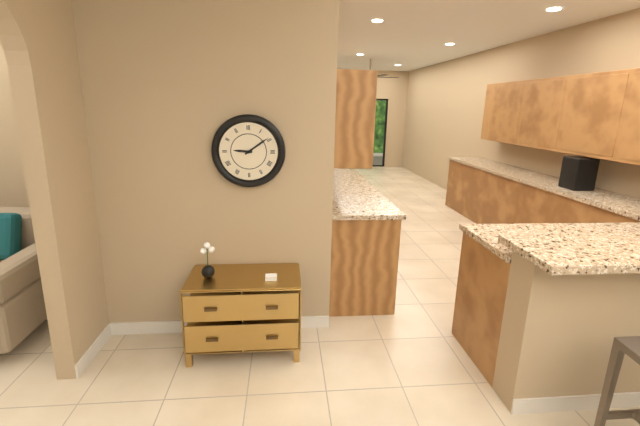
**9:09**
